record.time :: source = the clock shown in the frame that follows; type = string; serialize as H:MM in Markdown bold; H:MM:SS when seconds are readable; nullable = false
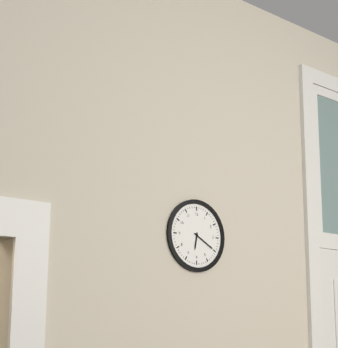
**6:20**
